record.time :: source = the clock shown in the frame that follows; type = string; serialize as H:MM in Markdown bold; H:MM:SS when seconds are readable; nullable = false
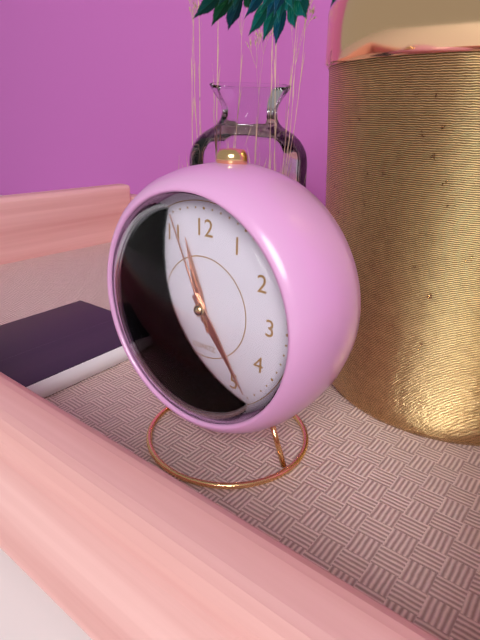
**11:24:56**
